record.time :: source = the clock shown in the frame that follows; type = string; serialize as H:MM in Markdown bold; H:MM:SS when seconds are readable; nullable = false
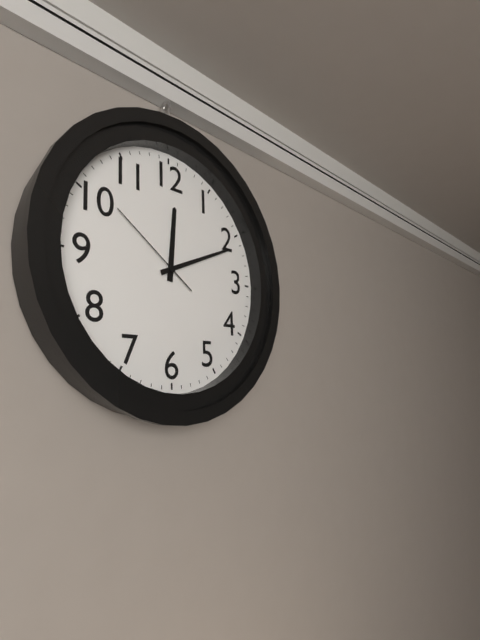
**12:11:51**
